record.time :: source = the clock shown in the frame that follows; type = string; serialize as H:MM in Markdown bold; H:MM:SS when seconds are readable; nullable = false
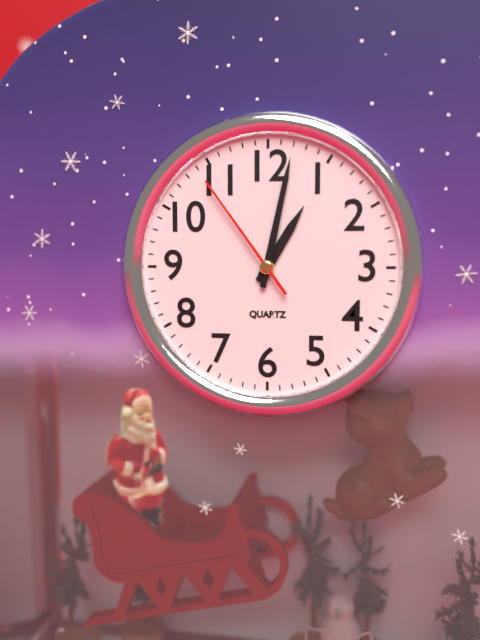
**1:02:54**
